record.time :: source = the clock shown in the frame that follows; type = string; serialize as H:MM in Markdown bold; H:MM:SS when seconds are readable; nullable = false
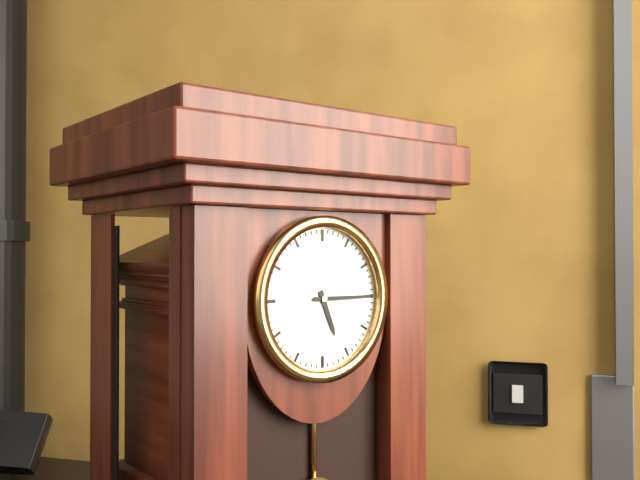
**5:15**
